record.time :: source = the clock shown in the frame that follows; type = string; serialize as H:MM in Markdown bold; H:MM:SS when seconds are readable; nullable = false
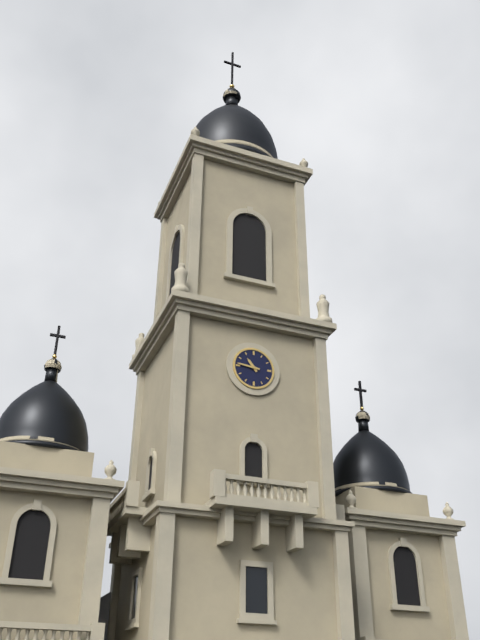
**10:46**
